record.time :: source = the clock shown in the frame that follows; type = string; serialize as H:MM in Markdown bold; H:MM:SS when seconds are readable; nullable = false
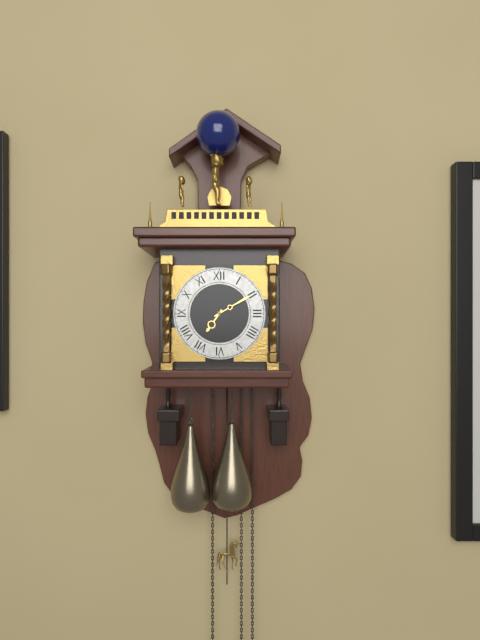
**7:10**
